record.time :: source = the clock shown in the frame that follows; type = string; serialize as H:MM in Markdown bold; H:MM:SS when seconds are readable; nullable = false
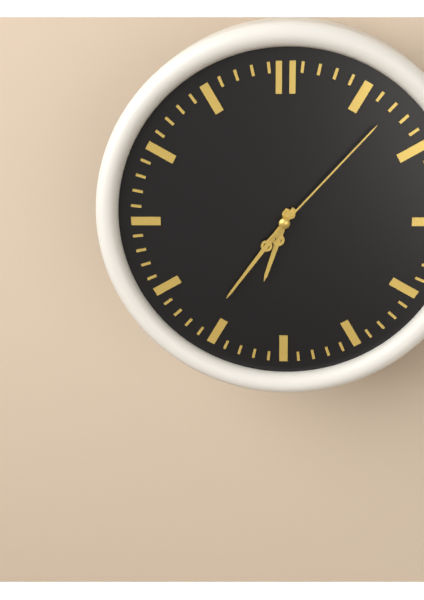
**6:36:07**
